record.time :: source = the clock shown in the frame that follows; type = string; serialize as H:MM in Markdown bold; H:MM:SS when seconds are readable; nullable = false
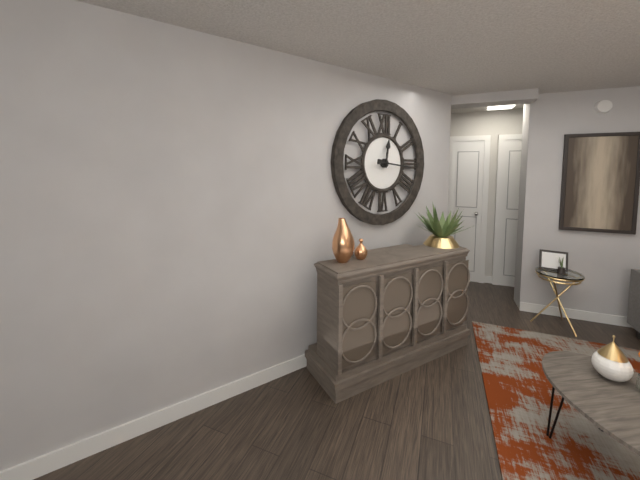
**12:16**
